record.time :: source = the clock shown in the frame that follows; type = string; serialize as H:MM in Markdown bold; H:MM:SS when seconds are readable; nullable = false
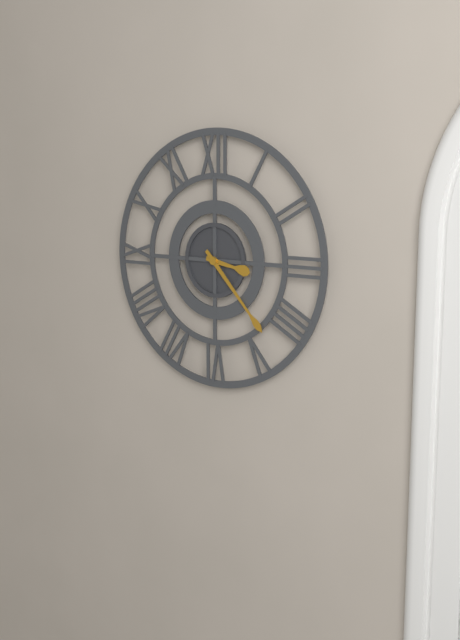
**3:23**
